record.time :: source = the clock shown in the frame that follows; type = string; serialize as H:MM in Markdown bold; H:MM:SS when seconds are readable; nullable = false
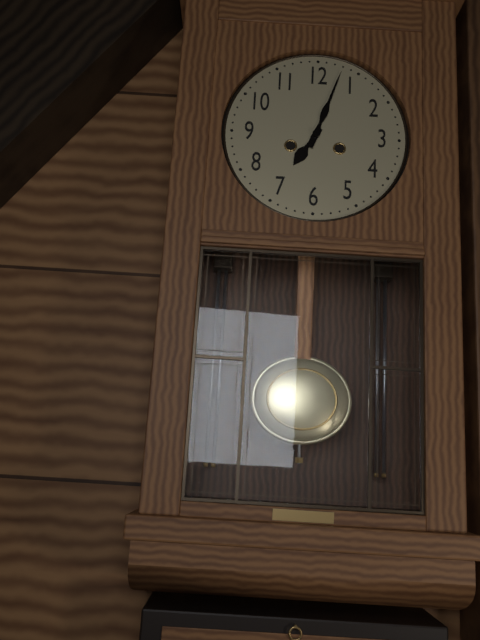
**7:03**
